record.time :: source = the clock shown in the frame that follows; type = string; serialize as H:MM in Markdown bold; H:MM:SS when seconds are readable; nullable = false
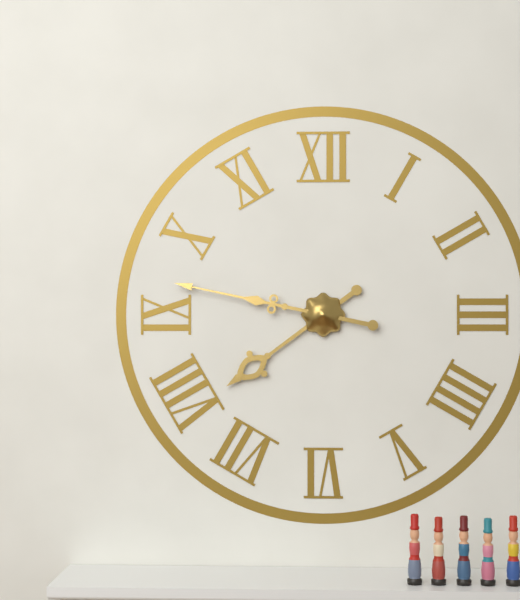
**7:47**
